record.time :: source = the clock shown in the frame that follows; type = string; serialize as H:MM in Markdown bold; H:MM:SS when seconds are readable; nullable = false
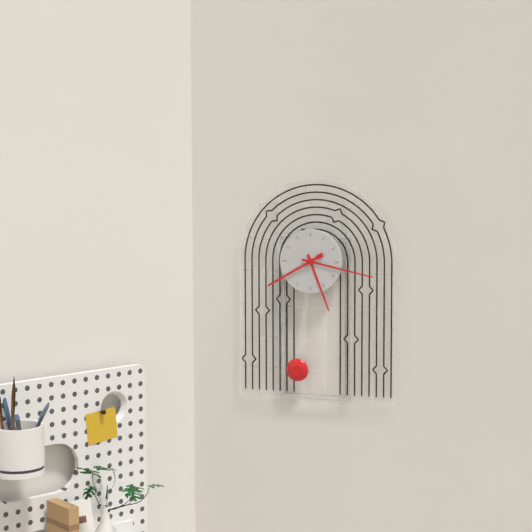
**5:17:40**
